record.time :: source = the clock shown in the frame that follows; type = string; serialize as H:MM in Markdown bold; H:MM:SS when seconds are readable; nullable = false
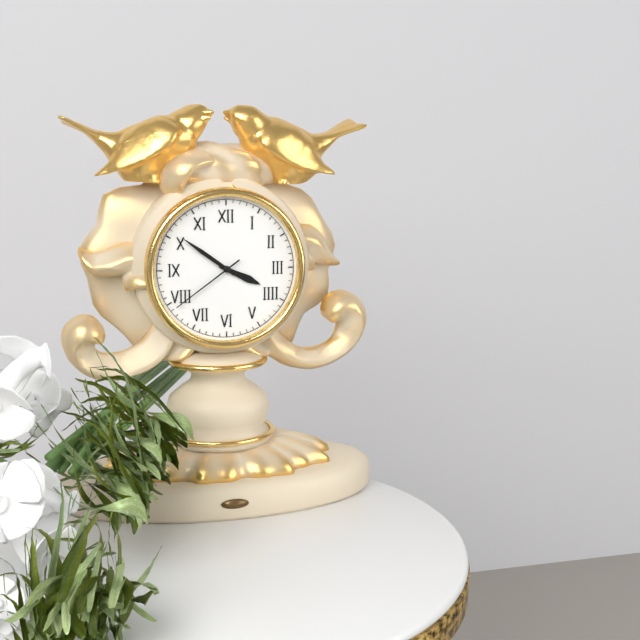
**3:51:39**
